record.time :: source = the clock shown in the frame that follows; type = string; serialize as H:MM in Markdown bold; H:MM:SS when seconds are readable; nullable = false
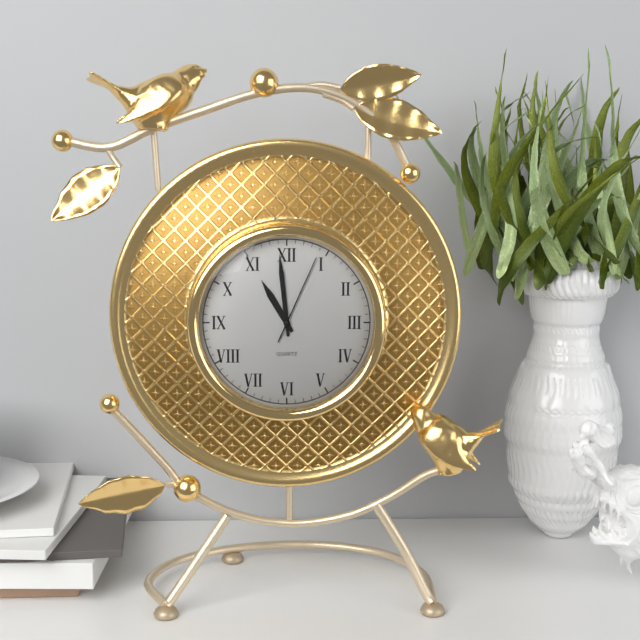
**10:59:04**
